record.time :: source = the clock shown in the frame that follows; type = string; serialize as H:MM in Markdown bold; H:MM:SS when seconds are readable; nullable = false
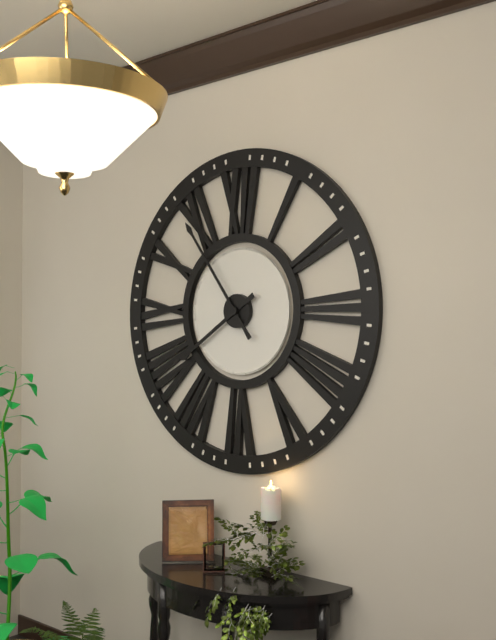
**7:54**
